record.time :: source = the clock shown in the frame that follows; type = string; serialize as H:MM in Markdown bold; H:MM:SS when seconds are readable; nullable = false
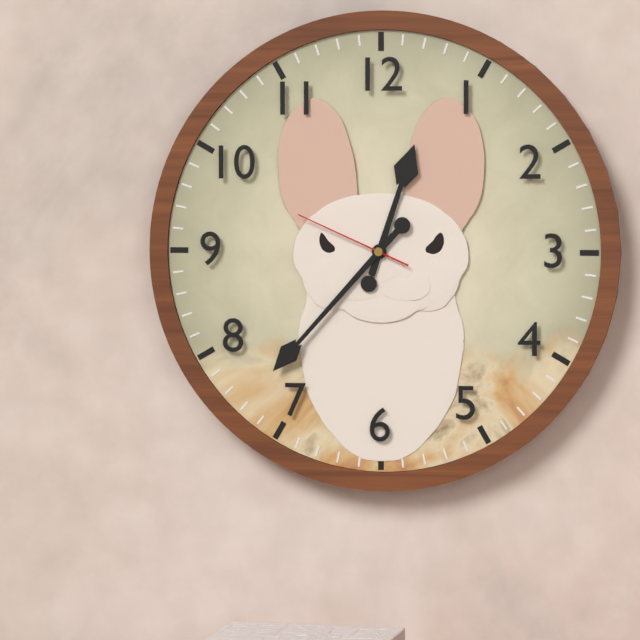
**12:37:49**
